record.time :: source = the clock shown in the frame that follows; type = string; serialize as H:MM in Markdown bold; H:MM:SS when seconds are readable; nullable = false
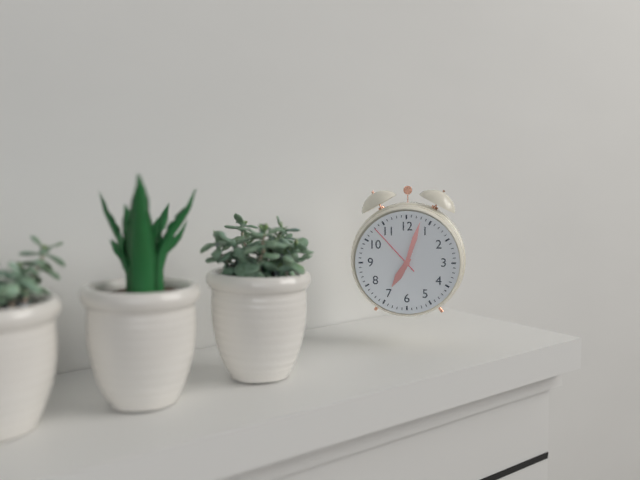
**7:03:53**
